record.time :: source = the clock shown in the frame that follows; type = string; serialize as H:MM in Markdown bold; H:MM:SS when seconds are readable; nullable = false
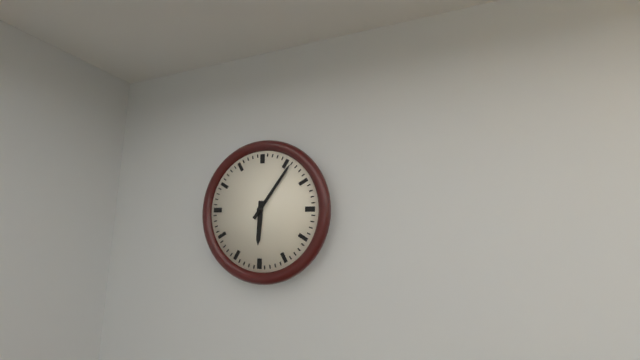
**6:06**
